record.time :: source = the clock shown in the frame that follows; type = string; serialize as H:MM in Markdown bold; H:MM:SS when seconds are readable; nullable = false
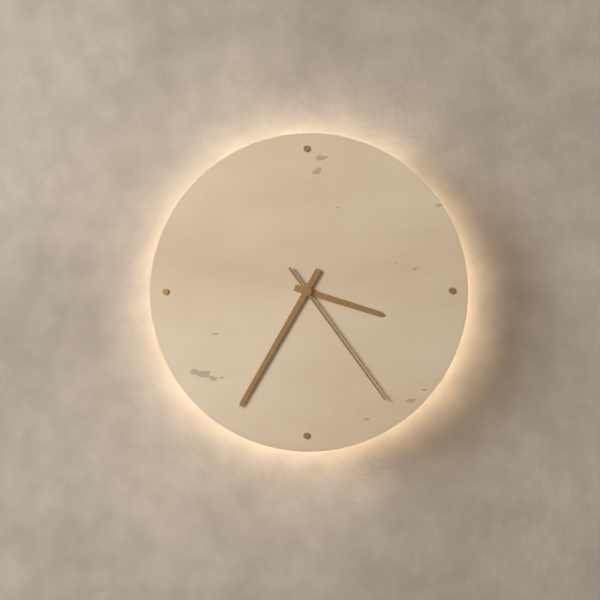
**3:35:24**
